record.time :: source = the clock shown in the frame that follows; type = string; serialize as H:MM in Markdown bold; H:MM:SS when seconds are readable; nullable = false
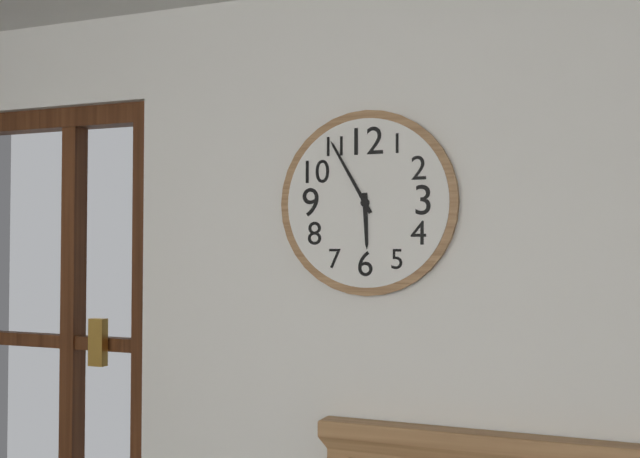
**5:55**
